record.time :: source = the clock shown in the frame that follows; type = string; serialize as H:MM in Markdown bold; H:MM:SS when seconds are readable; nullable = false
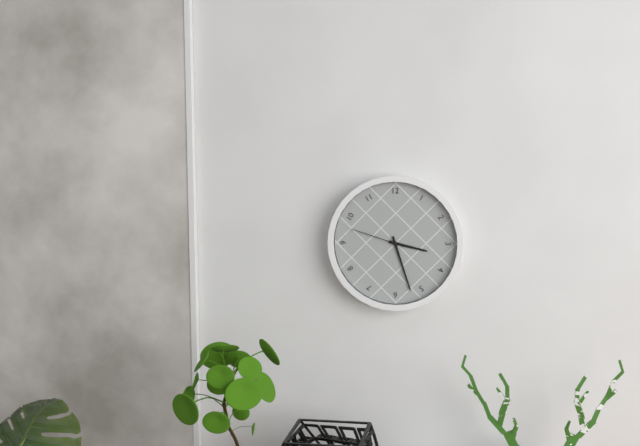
**3:27:48**
